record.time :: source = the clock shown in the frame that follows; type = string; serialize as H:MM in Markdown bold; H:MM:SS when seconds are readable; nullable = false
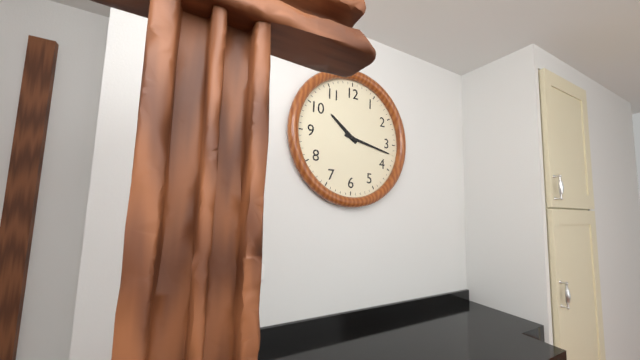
**10:17**
